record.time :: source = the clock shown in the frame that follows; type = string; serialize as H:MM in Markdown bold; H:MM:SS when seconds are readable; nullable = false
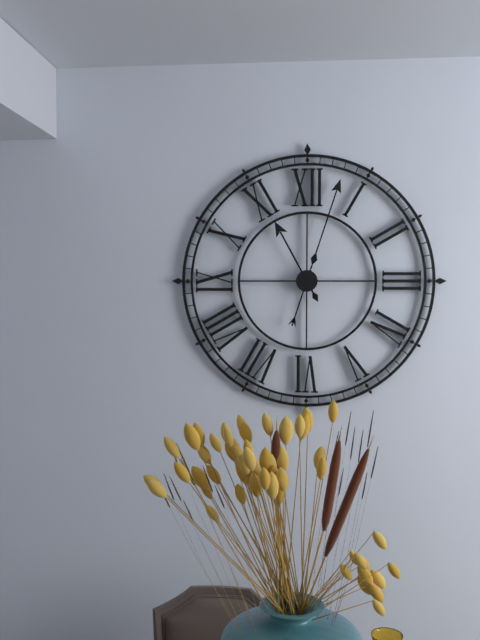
**11:03**
